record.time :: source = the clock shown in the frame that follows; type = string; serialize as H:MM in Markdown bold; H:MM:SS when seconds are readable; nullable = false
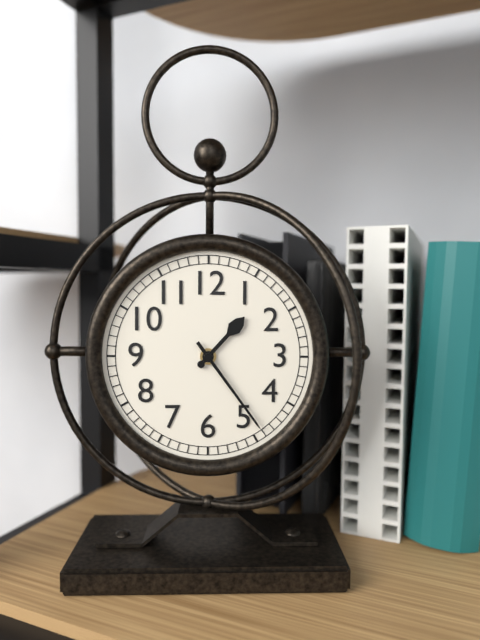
**1:24**
